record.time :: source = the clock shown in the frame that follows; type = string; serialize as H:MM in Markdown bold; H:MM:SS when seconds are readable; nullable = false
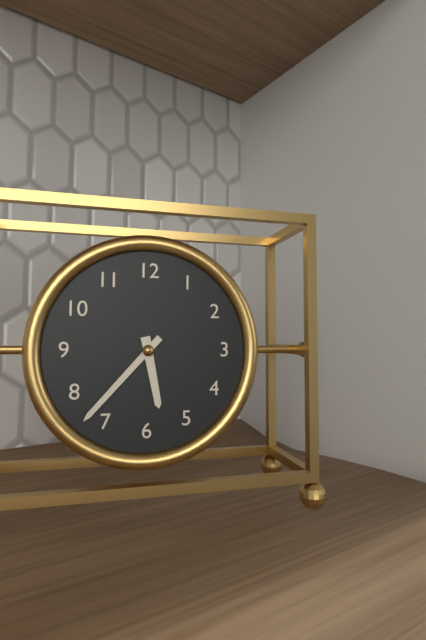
**5:37**
